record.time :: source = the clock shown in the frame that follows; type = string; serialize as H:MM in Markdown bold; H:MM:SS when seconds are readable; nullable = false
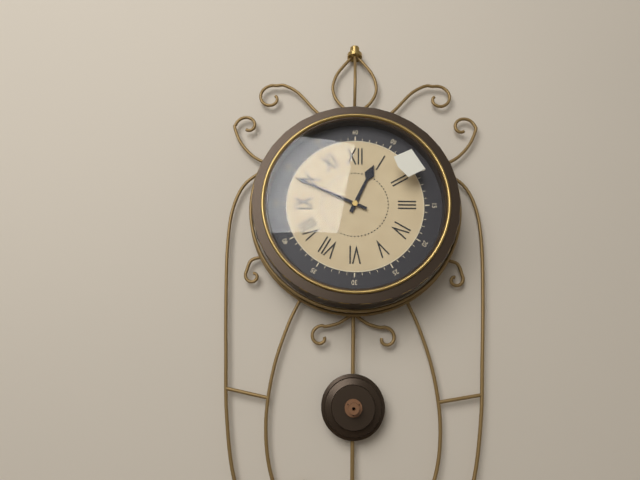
**12:49**
